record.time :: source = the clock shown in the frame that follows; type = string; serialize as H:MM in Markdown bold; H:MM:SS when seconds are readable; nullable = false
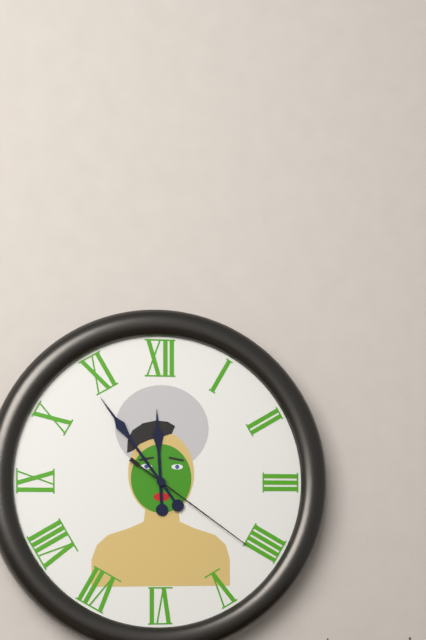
**11:54:21**
